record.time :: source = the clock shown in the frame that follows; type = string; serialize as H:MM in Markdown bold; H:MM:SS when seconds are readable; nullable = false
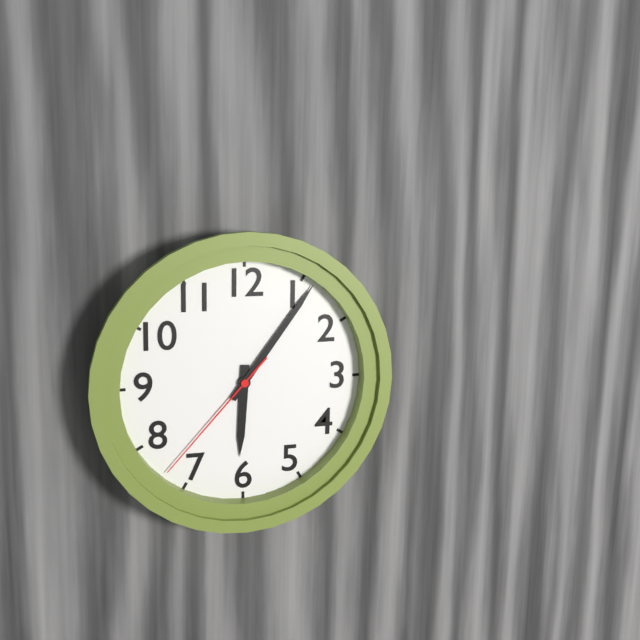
**6:06:37**
